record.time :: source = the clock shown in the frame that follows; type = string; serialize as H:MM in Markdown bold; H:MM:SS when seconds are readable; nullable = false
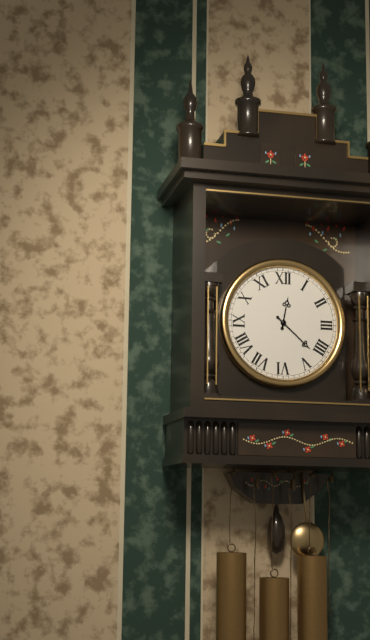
**12:22**
